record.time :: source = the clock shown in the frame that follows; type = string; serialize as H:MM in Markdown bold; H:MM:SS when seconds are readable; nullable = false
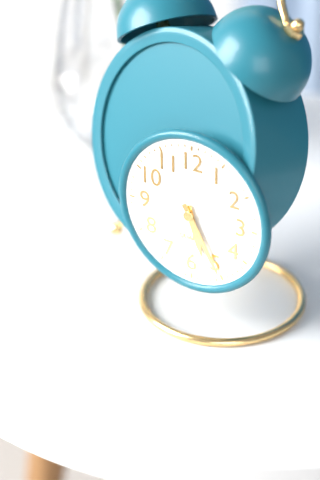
**5:25**
